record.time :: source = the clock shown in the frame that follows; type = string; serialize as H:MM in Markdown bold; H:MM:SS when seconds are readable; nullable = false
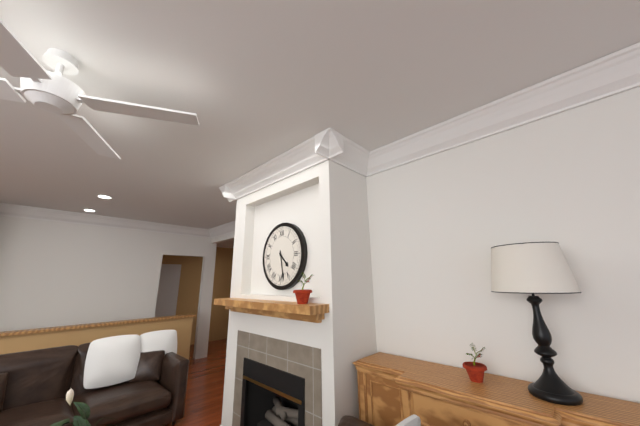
**4:28**
